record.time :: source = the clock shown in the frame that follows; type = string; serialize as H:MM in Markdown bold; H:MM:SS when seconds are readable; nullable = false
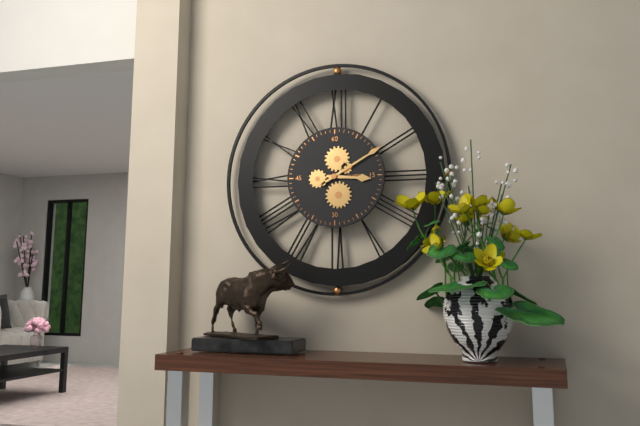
**3:10**
